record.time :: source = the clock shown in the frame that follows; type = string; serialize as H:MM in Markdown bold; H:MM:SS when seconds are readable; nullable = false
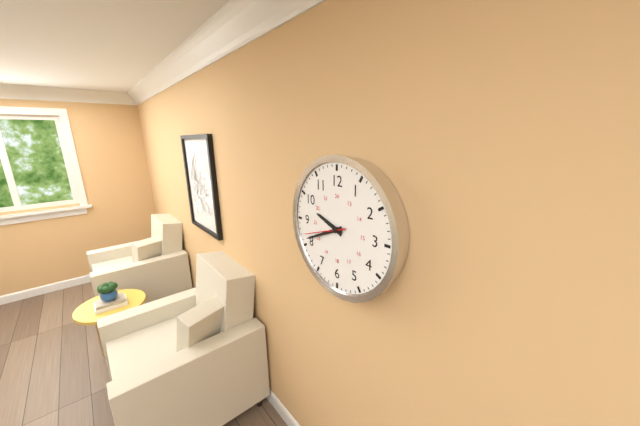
**9:41**
